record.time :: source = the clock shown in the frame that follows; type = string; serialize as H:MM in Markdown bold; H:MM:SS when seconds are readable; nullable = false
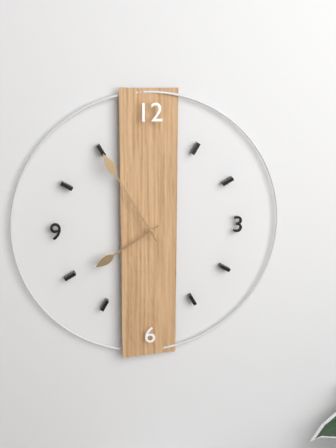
**7:55**
